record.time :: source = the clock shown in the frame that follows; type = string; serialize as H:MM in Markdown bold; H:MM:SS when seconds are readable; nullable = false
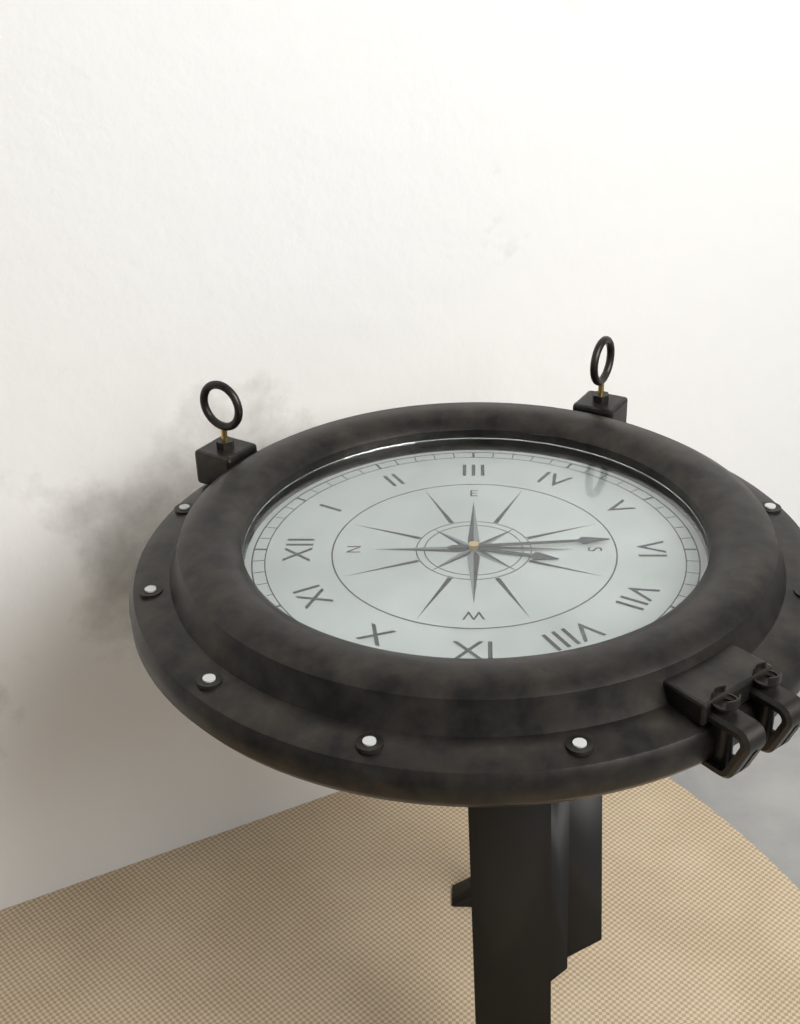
**6:29**
